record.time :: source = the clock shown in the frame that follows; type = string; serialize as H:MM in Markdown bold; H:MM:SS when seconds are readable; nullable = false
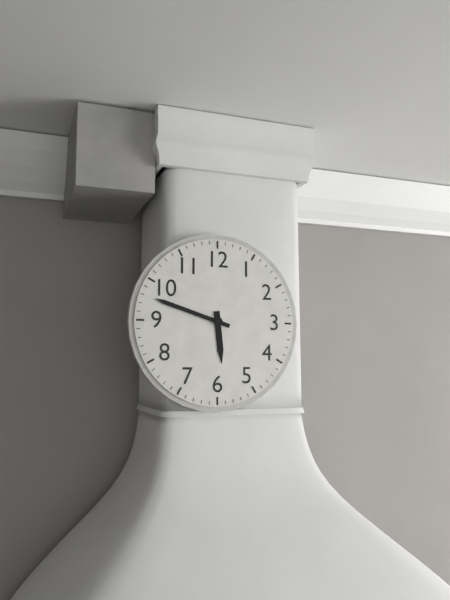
**5:48**
